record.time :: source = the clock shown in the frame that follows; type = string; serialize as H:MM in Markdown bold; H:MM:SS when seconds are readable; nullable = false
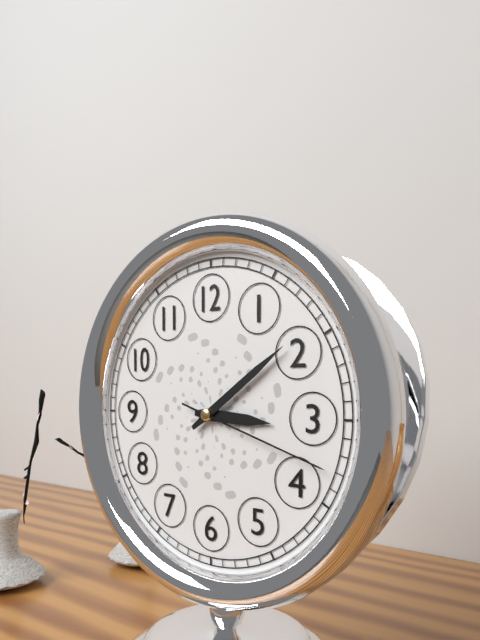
**3:09:18**
